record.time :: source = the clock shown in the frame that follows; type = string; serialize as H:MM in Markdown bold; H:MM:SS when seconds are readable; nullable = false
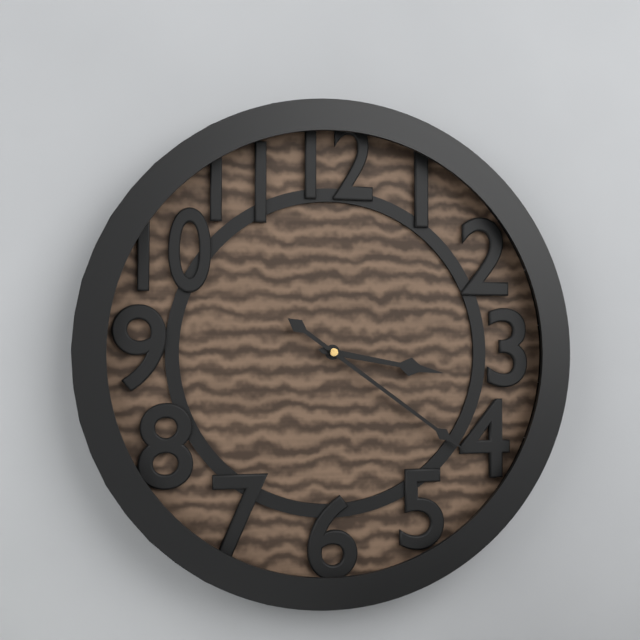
**3:21**
